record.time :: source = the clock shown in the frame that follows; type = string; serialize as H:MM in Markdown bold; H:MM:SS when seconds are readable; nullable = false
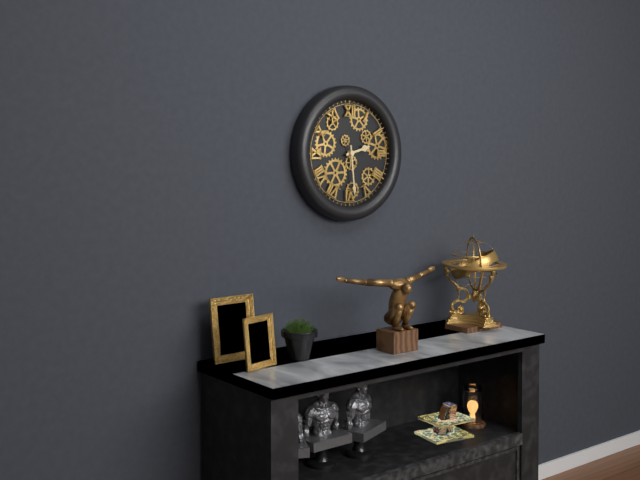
**2:29**
